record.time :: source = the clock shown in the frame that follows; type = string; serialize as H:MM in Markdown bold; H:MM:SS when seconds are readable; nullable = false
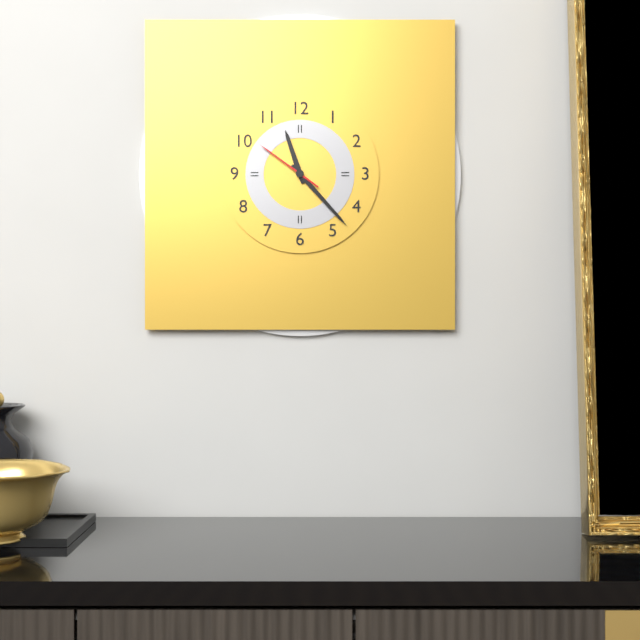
**11:23:51**
